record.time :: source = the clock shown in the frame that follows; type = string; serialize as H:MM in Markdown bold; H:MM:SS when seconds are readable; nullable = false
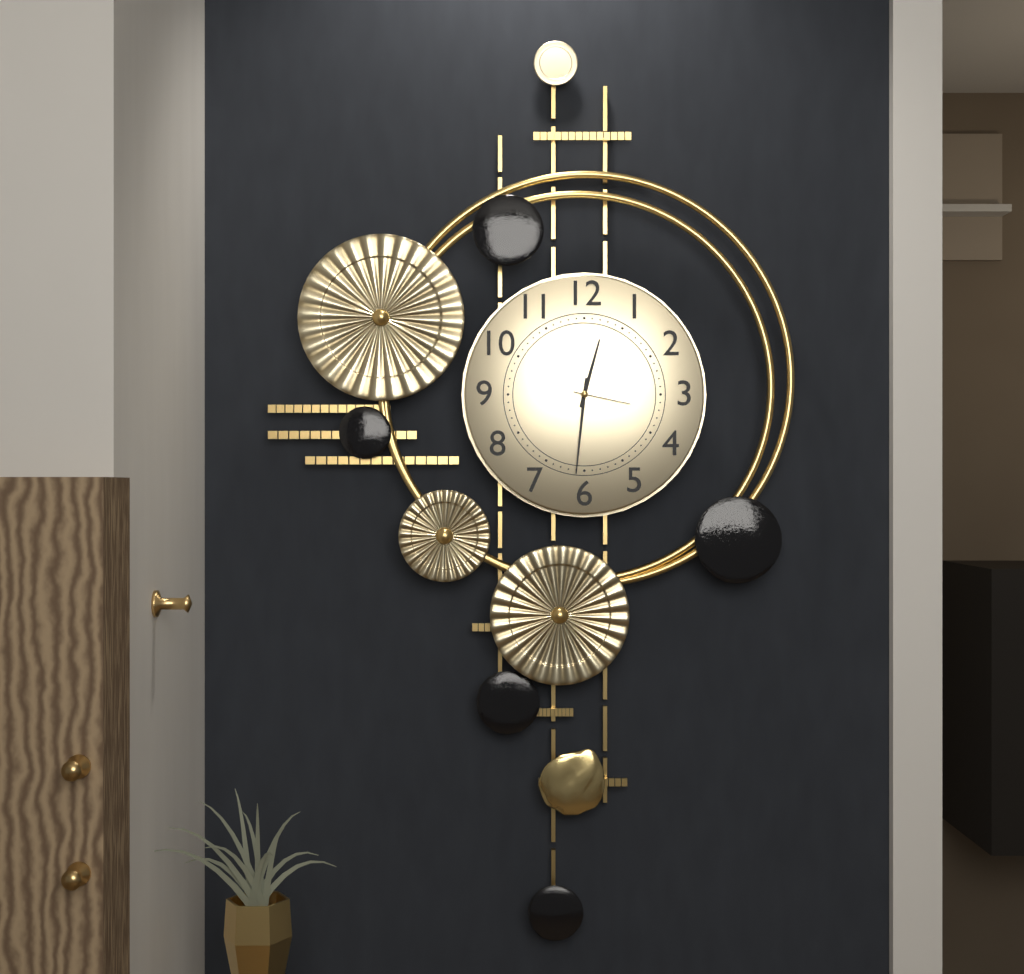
**12:31:17**
